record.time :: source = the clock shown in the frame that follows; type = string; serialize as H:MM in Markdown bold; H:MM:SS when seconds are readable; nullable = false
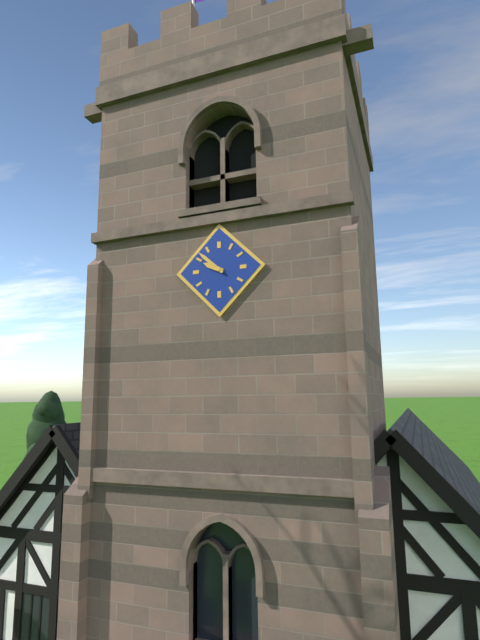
**9:52**
